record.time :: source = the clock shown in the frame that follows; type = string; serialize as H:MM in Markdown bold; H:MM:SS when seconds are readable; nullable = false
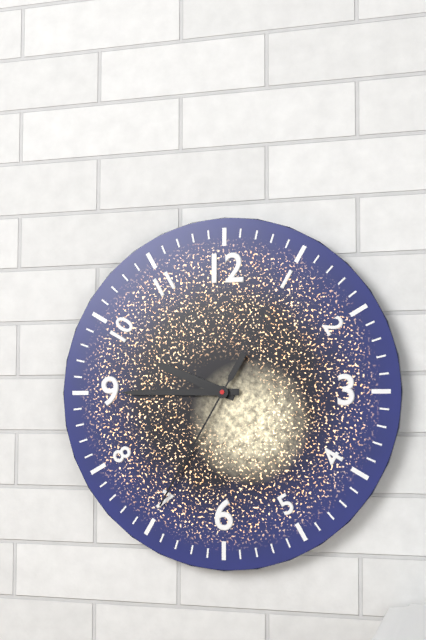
**9:45:35**
